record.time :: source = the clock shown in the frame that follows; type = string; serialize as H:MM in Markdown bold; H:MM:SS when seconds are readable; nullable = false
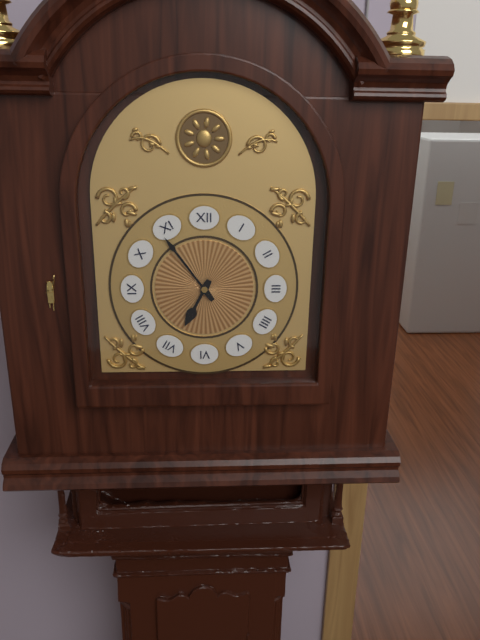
**6:54**
